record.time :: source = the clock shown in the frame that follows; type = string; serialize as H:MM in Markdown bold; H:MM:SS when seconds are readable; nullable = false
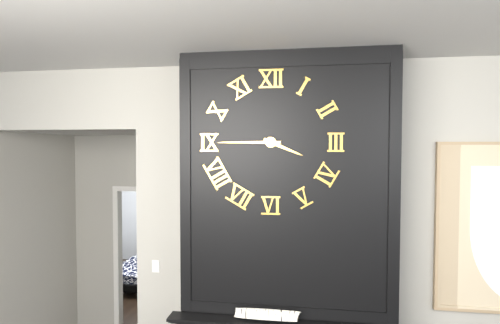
**3:45**
